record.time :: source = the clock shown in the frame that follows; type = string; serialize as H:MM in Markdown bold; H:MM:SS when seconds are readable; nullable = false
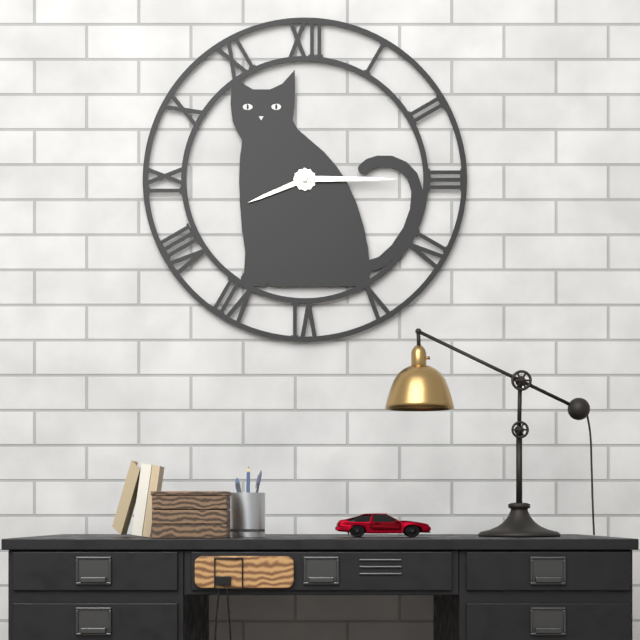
**8:15**
